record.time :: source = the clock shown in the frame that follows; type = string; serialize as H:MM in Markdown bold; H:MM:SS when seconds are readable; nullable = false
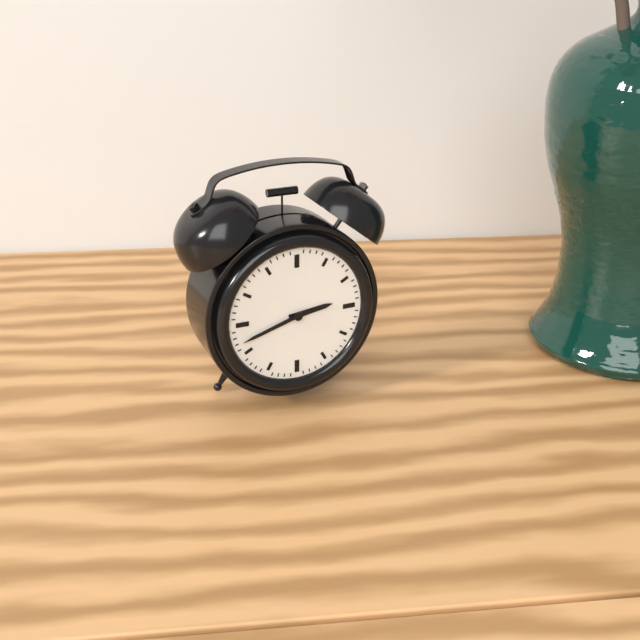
**2:42**
